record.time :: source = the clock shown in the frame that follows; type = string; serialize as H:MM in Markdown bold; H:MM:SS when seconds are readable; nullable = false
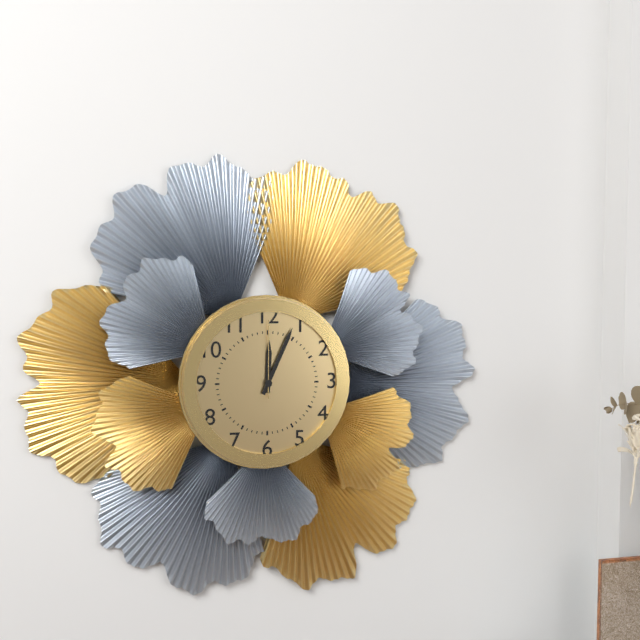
**12:04:00**
